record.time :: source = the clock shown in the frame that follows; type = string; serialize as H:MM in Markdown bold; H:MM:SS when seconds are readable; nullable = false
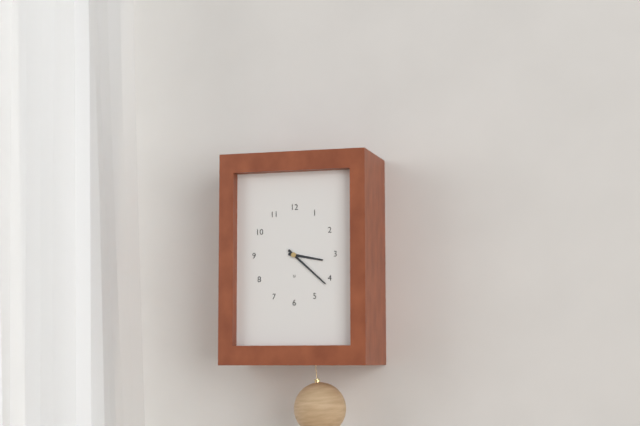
**3:22**
